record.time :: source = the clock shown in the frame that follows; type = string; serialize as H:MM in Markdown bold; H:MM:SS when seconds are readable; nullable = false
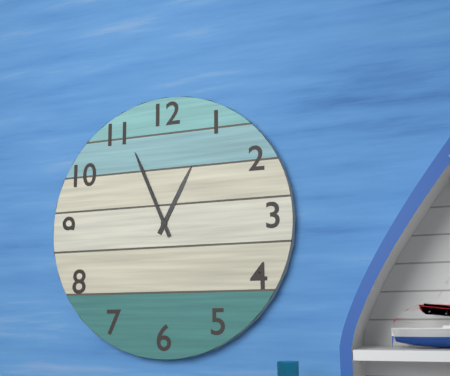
**12:56**
